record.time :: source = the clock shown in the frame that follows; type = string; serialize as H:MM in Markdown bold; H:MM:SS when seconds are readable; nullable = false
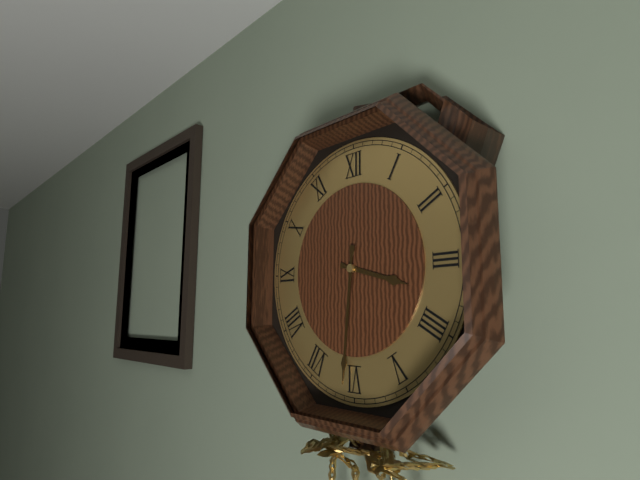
**3:31**
